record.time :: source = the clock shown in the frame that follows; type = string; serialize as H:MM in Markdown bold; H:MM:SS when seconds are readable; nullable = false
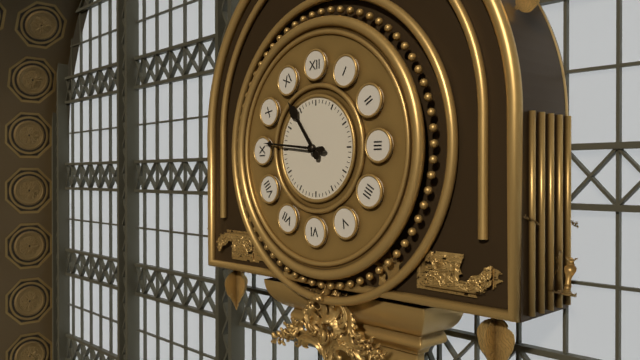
**10:46**
